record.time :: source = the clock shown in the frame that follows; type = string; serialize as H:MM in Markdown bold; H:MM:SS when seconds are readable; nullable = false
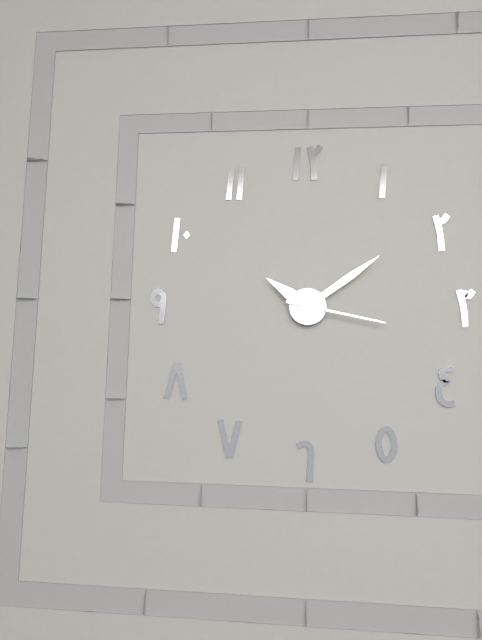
**10:09:17**
